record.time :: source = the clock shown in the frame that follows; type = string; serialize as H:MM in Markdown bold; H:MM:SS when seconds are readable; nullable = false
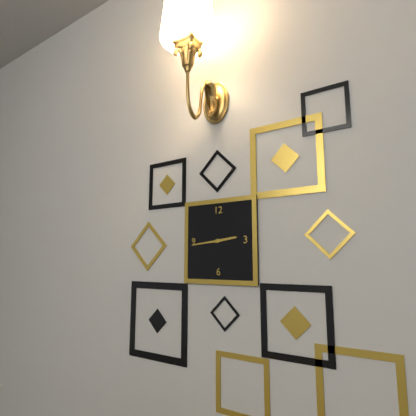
**2:44**
